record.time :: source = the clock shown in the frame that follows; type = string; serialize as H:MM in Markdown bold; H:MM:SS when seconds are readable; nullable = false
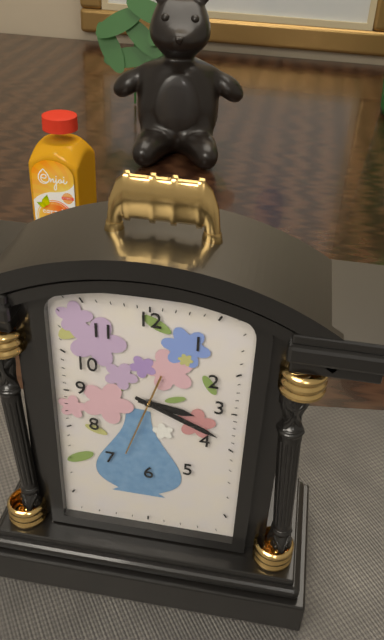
**3:19:33**
